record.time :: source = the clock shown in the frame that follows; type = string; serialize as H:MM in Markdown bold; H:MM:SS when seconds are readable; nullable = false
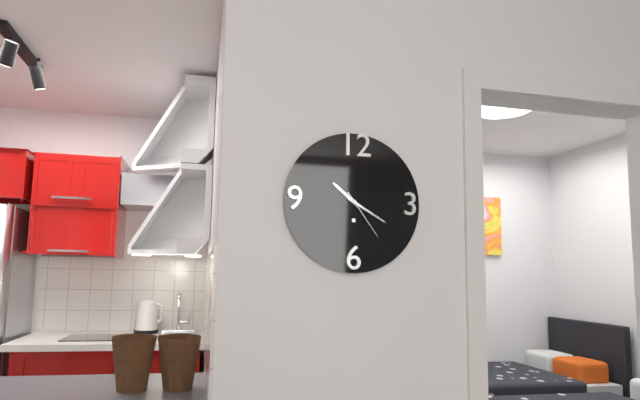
**10:20:24**
